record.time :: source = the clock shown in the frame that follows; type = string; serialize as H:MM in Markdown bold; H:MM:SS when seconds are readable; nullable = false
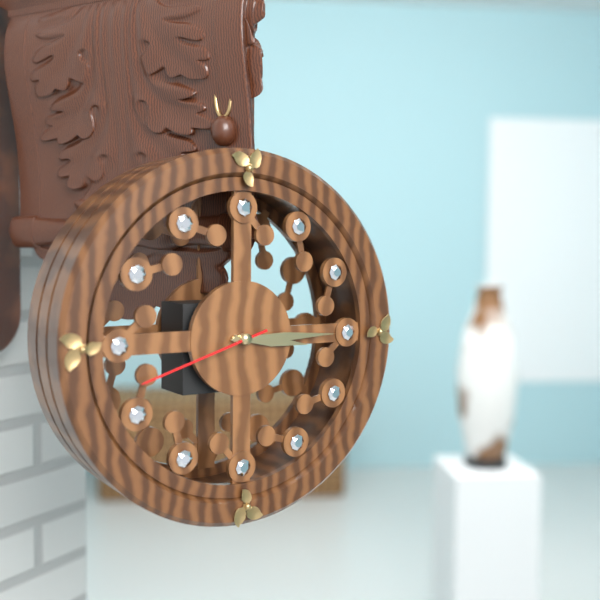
**3:15:42**
